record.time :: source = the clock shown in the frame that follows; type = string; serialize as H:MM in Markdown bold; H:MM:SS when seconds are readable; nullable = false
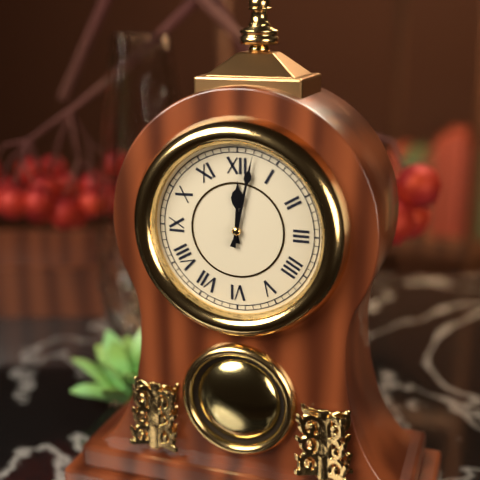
**12:02**
